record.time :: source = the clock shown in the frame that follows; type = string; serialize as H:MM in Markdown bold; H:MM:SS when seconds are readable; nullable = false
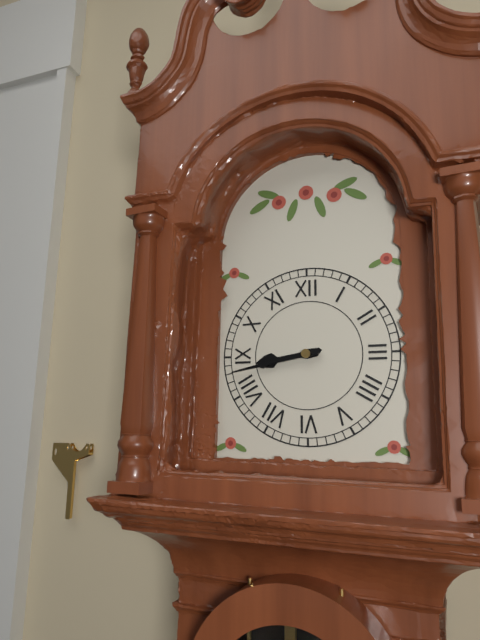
**8:43**
